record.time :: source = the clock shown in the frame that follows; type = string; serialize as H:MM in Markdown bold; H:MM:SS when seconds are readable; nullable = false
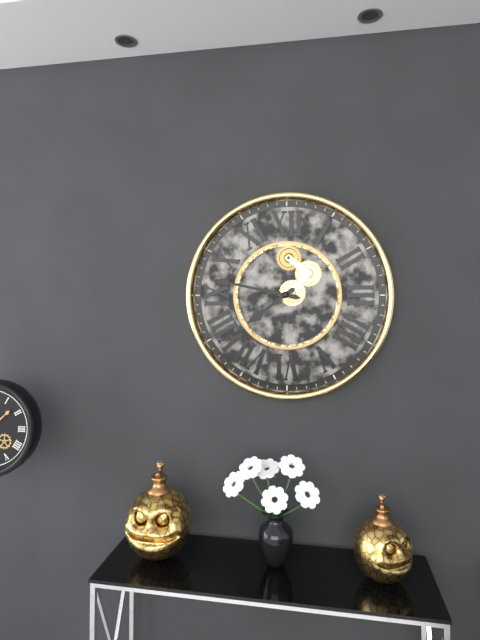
**7:47**
